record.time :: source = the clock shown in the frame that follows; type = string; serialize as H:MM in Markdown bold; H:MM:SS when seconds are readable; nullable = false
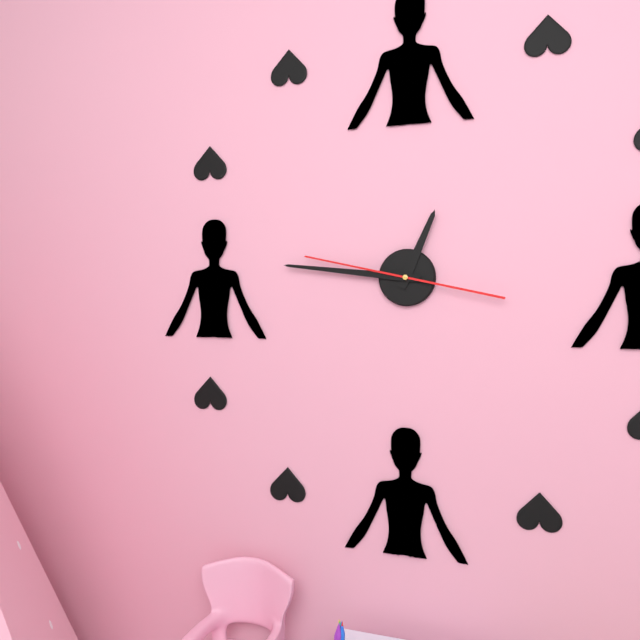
**12:46:47**
